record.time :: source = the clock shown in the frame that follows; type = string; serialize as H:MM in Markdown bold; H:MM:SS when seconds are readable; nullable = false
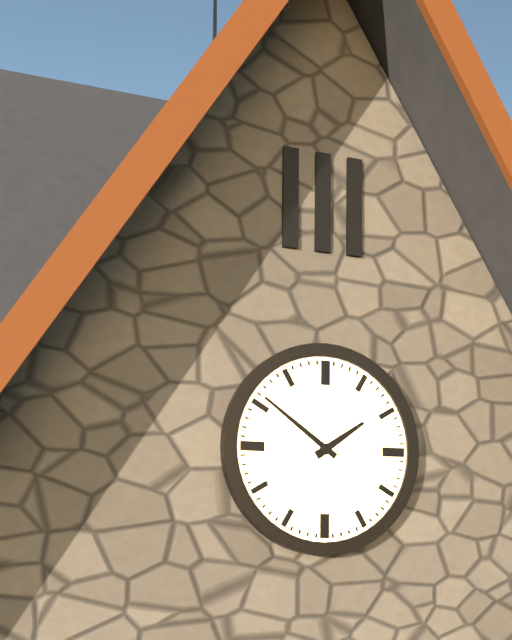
**1:51**
